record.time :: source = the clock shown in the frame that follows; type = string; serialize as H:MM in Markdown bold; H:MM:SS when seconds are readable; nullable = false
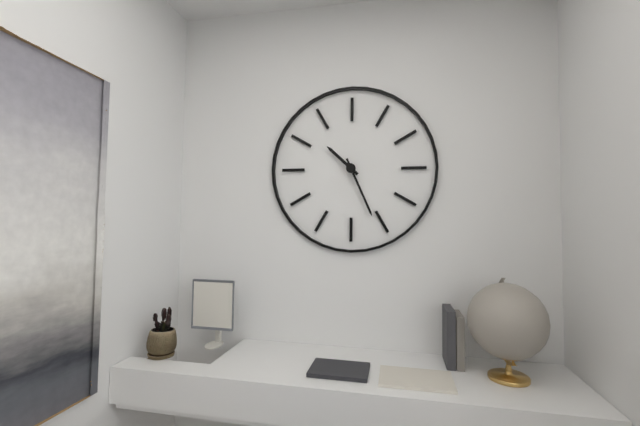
**10:26**
